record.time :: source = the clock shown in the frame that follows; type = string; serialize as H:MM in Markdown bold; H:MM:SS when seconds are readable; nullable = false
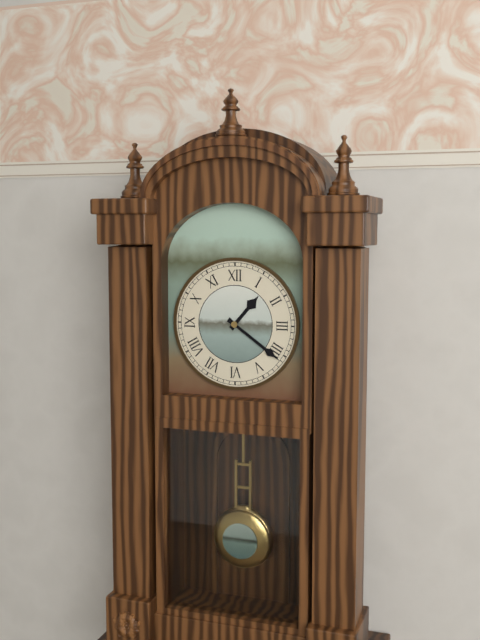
**1:21**
